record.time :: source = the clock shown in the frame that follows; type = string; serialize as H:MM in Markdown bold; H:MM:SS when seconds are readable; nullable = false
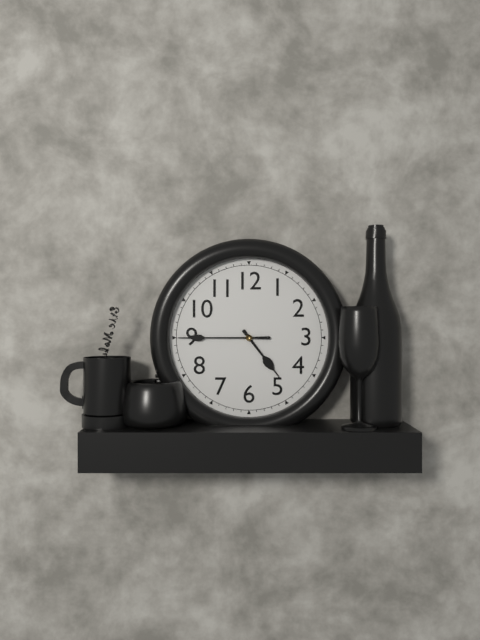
**4:45**
